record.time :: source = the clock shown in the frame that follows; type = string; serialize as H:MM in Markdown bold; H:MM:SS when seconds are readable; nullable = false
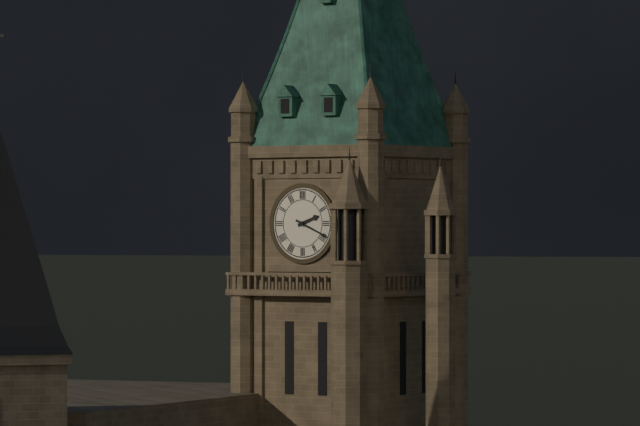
**2:19**
